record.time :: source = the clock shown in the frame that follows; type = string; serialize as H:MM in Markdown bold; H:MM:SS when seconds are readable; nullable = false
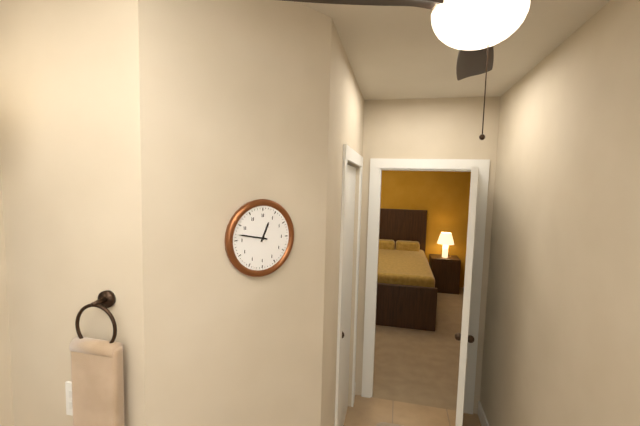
**12:47**
